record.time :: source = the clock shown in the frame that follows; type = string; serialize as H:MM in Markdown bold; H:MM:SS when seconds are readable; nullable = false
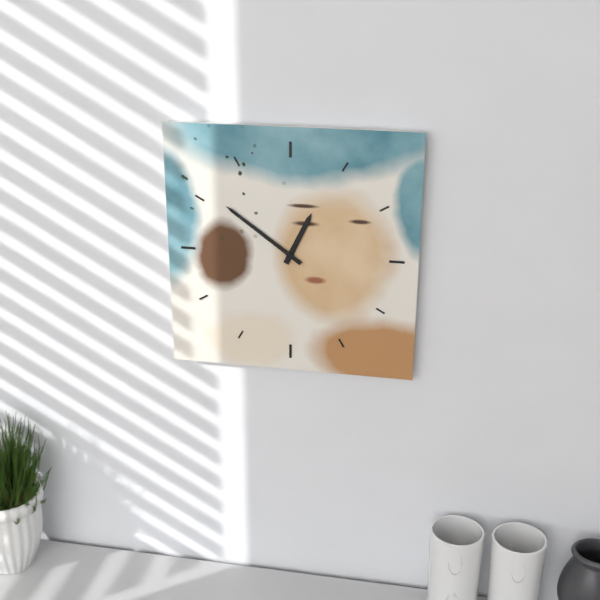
**12:51**
